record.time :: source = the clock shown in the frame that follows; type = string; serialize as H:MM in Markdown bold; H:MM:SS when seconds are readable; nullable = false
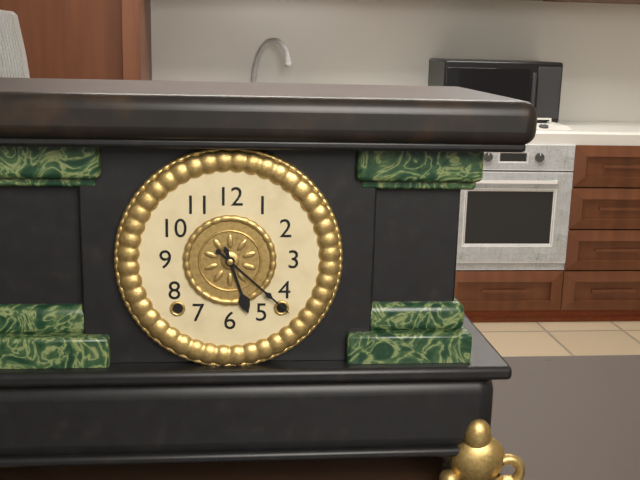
**5:22**
